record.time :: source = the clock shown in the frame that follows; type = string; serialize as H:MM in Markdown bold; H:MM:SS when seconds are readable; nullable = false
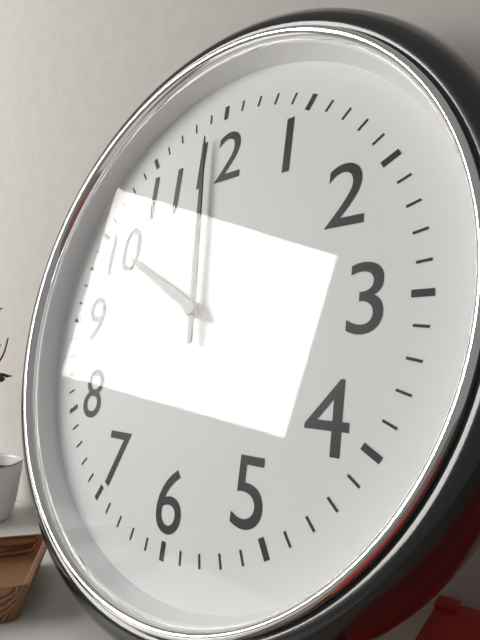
**9:59**
